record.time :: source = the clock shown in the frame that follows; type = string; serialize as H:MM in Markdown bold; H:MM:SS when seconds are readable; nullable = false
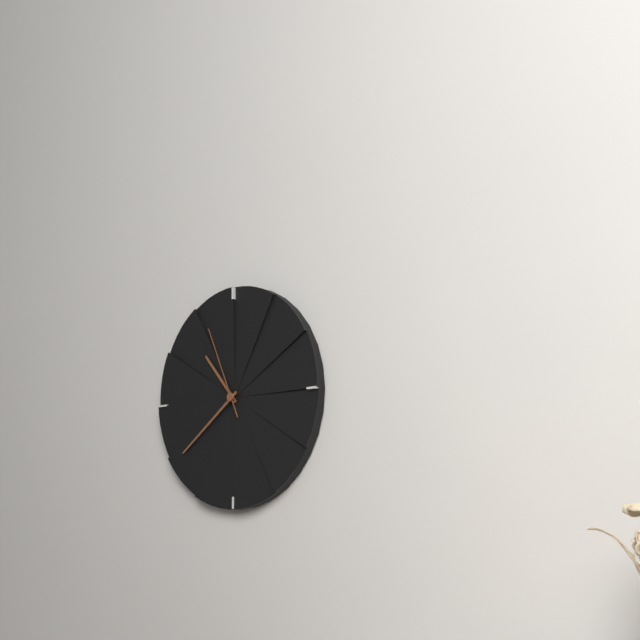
**10:39:56**
